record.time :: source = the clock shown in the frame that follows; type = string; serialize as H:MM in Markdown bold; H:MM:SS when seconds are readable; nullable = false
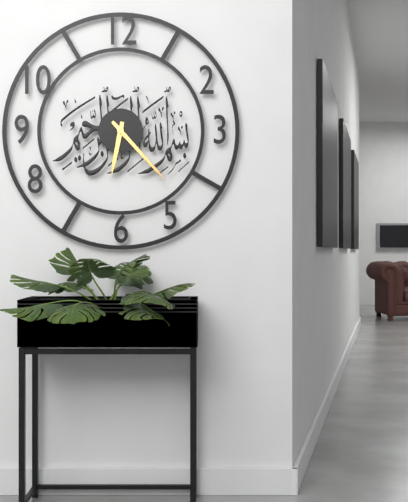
**6:23**
